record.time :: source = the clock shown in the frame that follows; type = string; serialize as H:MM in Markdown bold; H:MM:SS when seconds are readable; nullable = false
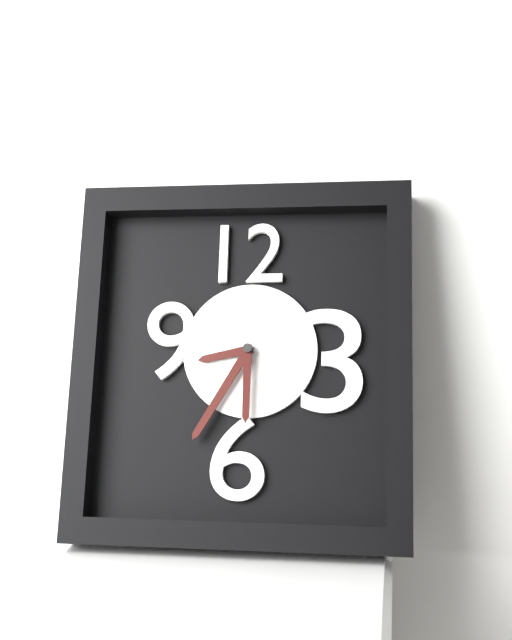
**8:35:30**
